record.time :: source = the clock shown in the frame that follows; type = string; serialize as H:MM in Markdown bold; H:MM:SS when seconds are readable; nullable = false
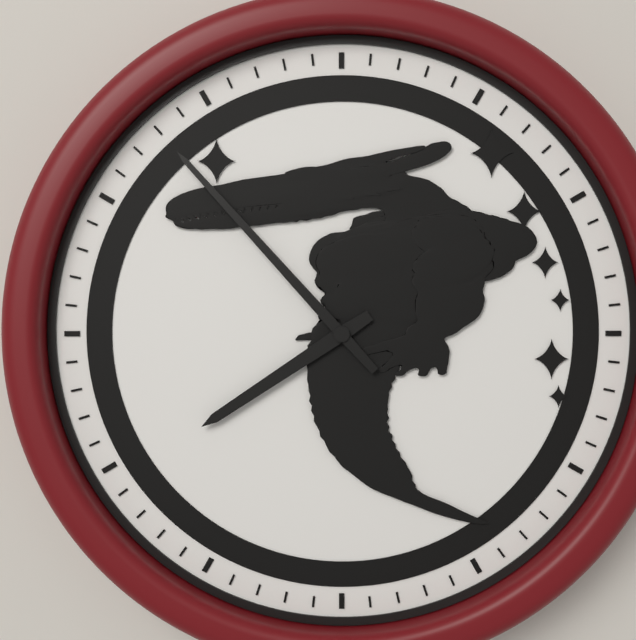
**7:53**
